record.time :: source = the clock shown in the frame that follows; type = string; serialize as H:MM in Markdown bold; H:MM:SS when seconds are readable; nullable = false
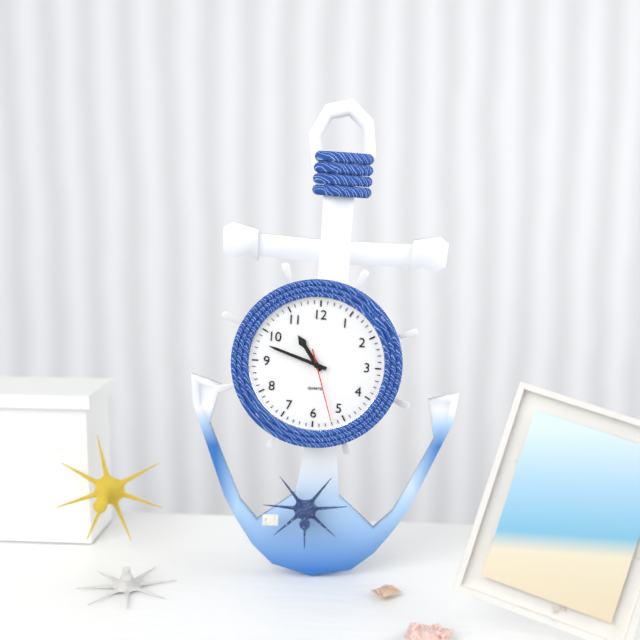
**10:48:27**
